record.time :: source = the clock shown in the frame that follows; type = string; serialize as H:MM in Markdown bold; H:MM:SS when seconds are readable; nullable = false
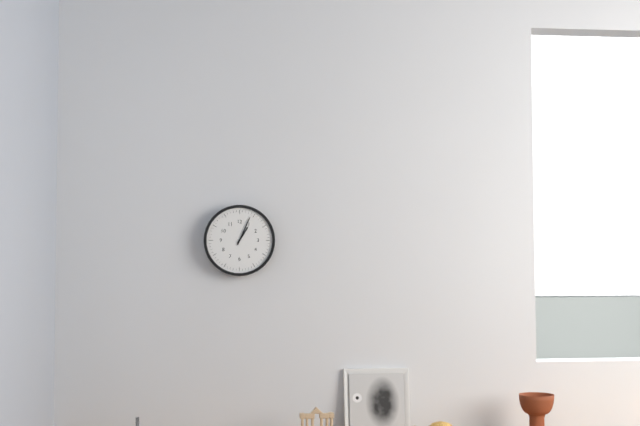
**1:04**
